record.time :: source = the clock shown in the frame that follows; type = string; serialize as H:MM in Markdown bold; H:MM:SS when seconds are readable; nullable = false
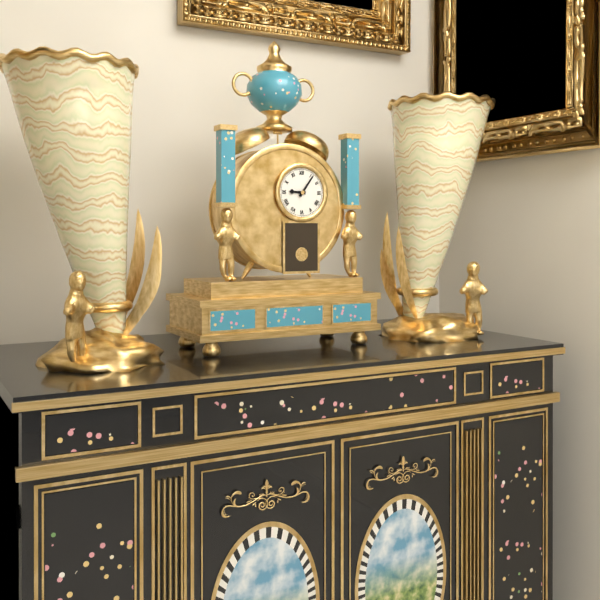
**9:06**
